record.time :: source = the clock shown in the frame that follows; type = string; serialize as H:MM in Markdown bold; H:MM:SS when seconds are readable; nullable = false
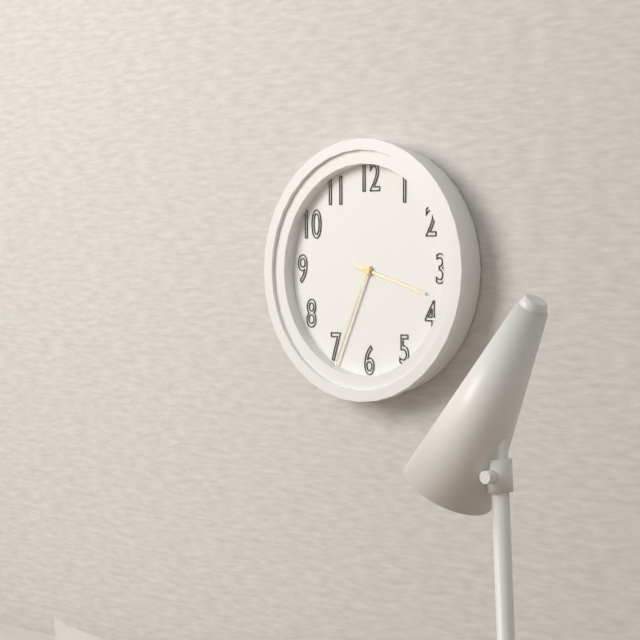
**3:34**
